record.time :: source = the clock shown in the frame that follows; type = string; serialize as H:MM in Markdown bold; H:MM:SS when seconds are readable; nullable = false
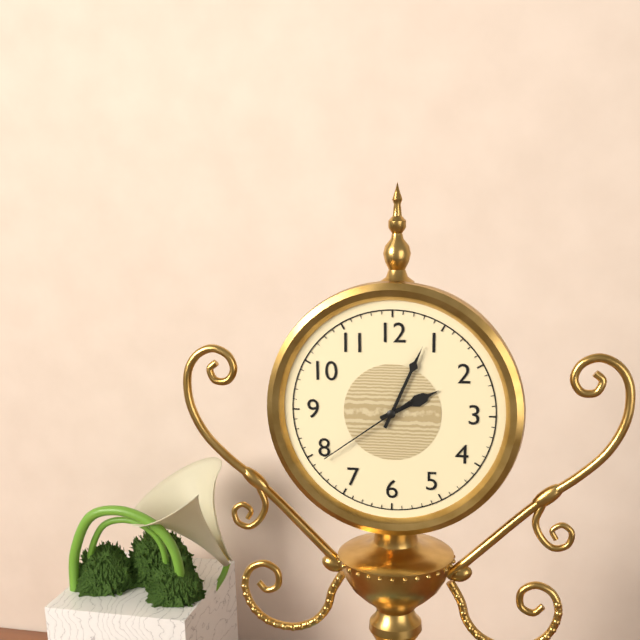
**2:04:39**
